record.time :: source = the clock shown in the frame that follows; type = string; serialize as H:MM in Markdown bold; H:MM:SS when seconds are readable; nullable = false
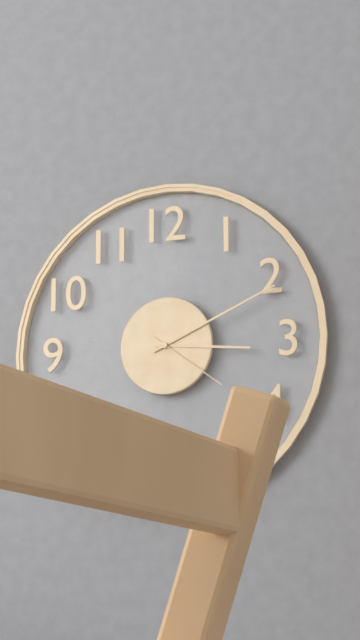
**3:11:21**
